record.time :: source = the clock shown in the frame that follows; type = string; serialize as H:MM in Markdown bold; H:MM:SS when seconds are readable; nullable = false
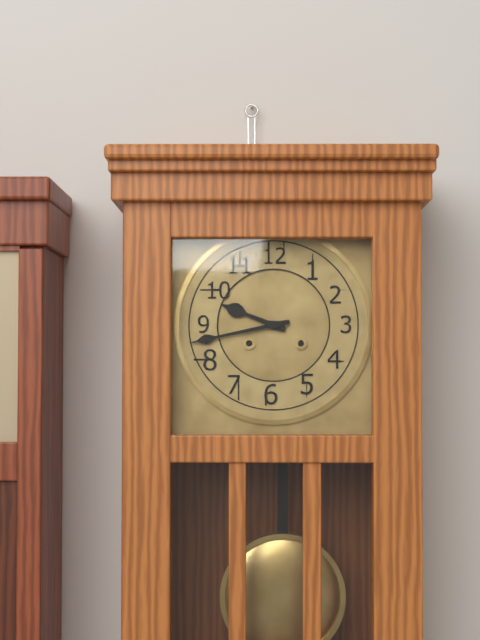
**9:43**
